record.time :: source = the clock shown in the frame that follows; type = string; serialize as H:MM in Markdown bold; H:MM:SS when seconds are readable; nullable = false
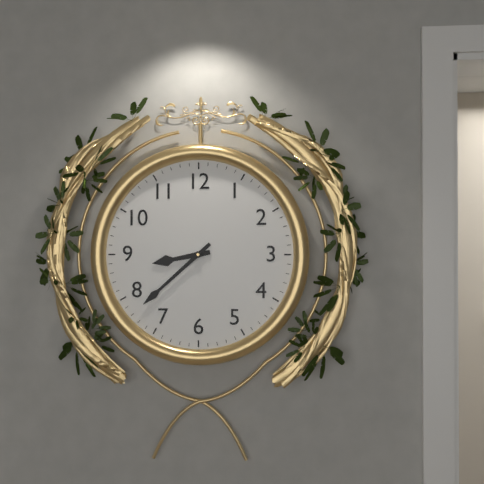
**8:38**
